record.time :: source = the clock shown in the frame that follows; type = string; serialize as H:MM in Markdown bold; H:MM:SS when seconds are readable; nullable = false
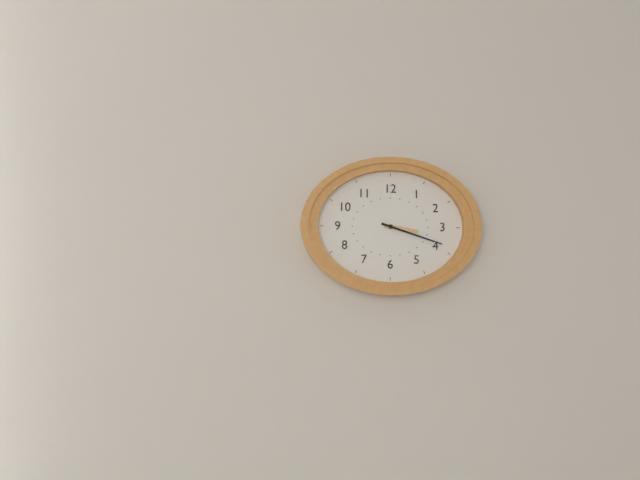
**3:18**
